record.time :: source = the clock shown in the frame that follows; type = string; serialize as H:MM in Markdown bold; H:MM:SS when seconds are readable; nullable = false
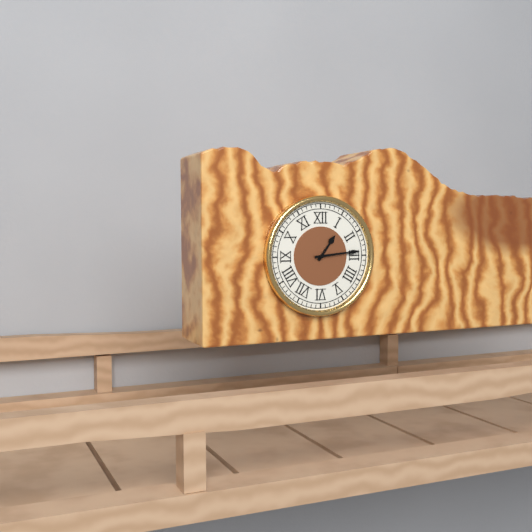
**1:14**
